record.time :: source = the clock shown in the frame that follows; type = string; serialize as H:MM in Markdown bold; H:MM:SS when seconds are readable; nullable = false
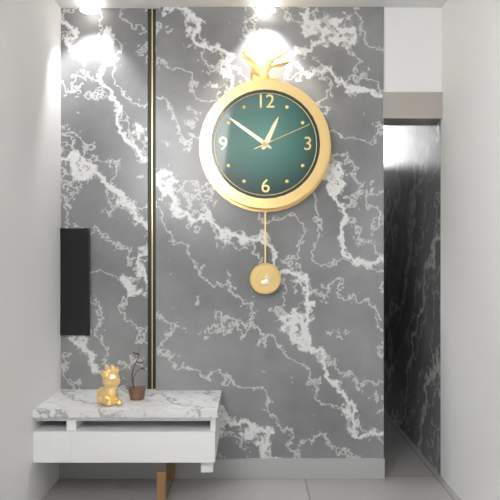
**12:51:11**
